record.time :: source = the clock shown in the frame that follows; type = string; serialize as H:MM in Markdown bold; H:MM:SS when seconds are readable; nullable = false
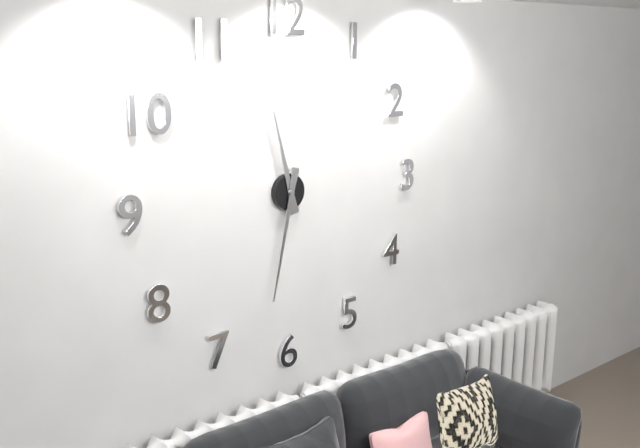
**11:32**
